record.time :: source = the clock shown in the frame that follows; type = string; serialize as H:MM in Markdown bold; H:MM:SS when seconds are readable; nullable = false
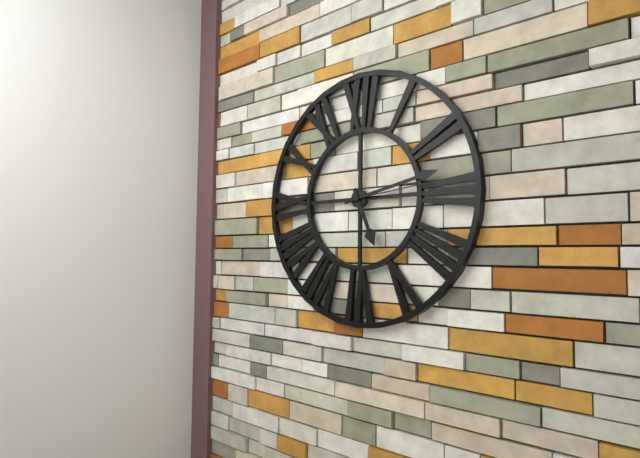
**5:13:14**
